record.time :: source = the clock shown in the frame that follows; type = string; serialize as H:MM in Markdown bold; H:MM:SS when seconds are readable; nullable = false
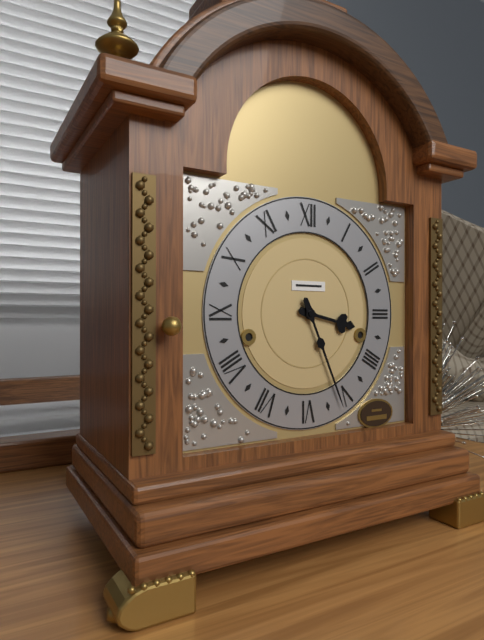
**3:26**
